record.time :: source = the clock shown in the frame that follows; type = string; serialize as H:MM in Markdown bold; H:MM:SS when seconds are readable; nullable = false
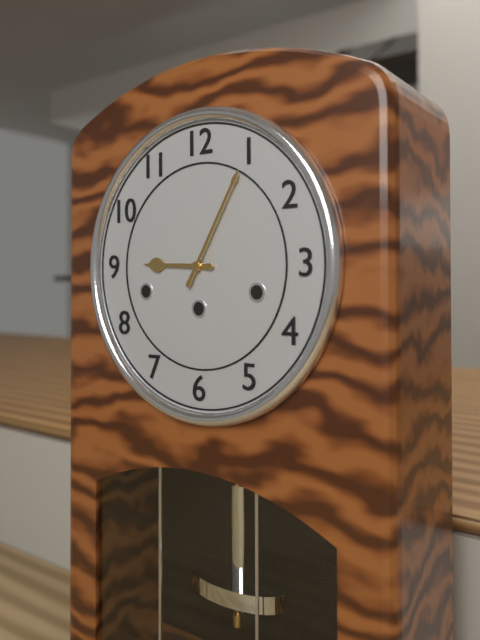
**9:05**
